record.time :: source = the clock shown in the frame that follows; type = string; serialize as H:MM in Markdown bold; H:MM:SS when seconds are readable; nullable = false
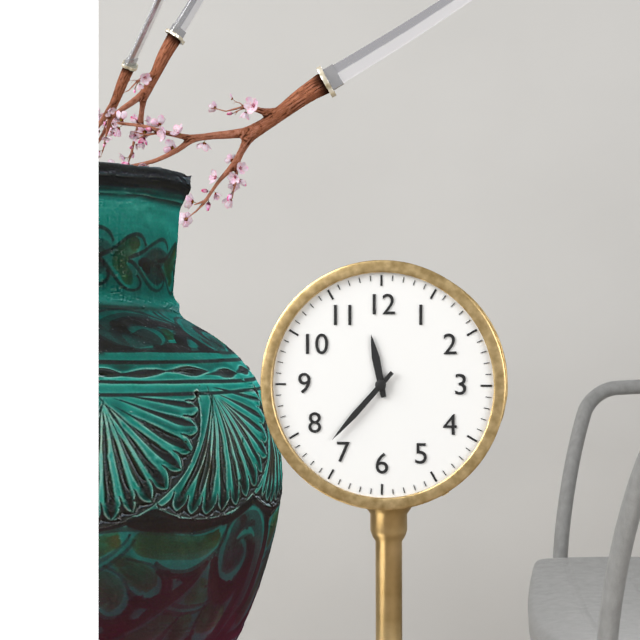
**11:37**
